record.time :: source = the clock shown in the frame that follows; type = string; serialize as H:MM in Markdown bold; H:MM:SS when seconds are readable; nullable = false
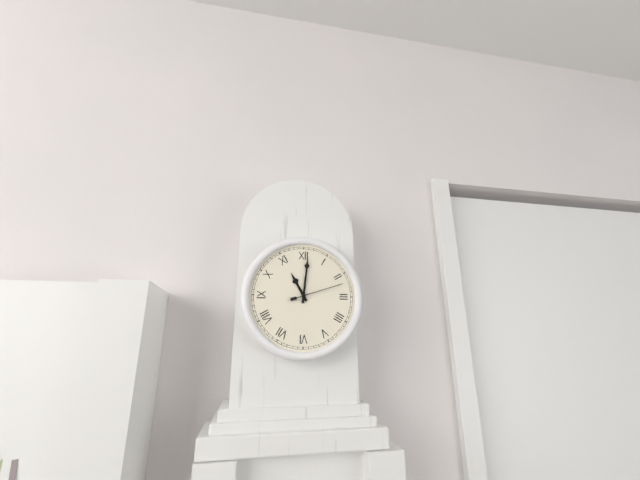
**11:01:12**
